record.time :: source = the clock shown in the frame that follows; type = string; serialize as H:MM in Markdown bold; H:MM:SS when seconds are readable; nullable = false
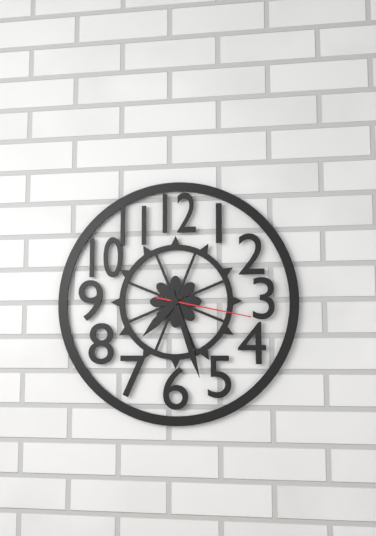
**7:27:17**
